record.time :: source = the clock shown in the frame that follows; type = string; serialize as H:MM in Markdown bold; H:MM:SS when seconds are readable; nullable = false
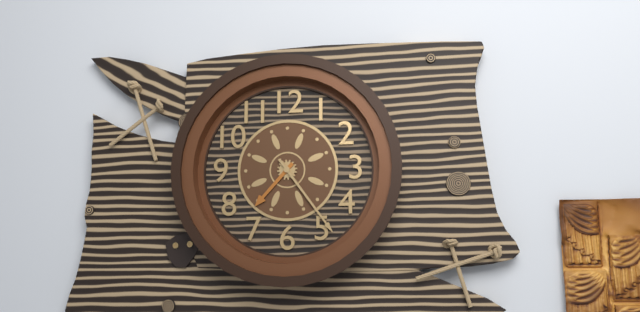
**7:24**
